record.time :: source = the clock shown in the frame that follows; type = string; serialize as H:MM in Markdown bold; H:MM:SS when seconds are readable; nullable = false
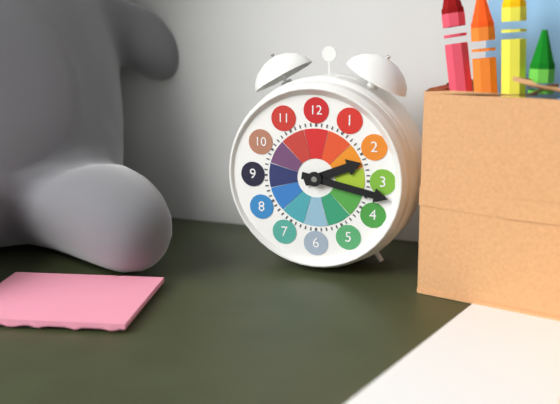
**2:17**
